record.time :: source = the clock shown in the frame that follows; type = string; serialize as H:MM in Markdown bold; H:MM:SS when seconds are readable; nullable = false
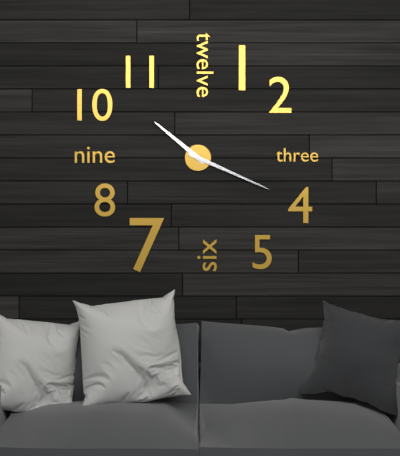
**10:19**
